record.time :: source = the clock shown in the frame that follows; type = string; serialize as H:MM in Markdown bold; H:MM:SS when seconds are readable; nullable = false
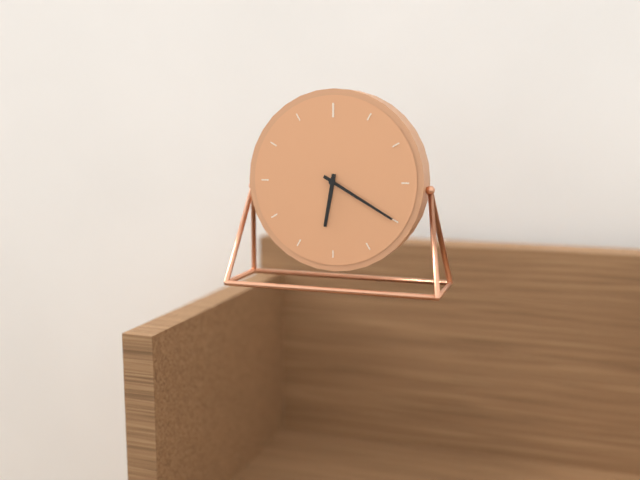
**6:20**
